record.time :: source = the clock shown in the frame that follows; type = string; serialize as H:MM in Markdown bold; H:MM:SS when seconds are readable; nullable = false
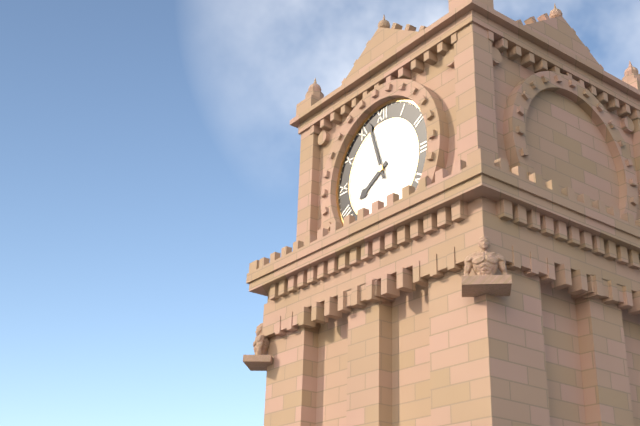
**7:57**
